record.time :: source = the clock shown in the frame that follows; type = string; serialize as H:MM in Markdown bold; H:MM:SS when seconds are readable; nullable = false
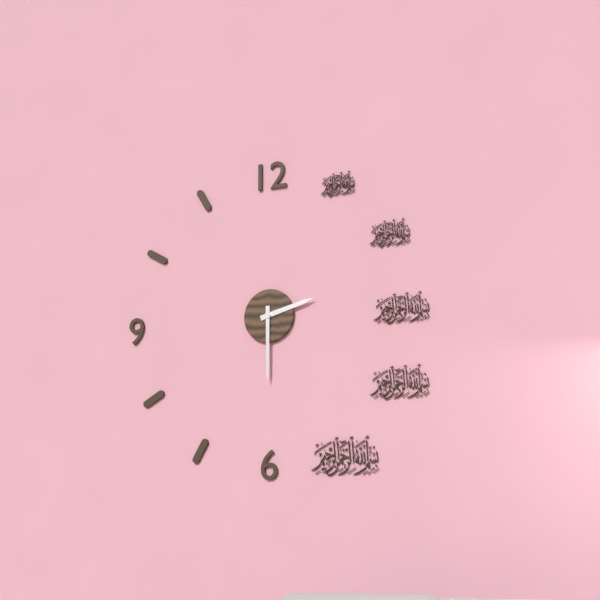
**2:30**
